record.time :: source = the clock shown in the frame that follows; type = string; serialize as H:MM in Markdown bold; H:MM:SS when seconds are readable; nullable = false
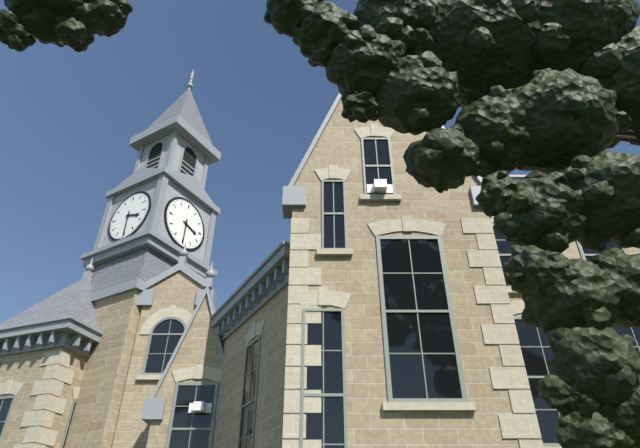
**3:30**
